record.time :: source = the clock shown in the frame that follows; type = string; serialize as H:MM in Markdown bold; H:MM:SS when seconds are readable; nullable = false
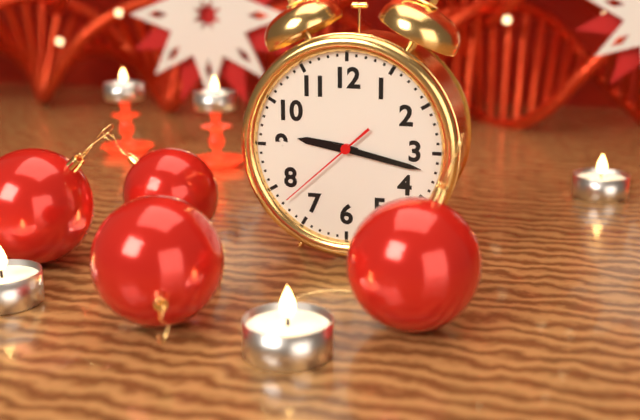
**9:17:38**
